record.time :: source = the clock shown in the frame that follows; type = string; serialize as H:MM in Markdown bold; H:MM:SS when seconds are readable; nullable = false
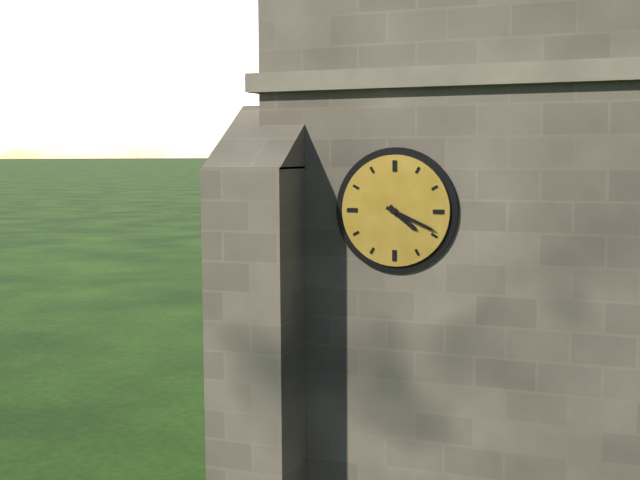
**4:19**
